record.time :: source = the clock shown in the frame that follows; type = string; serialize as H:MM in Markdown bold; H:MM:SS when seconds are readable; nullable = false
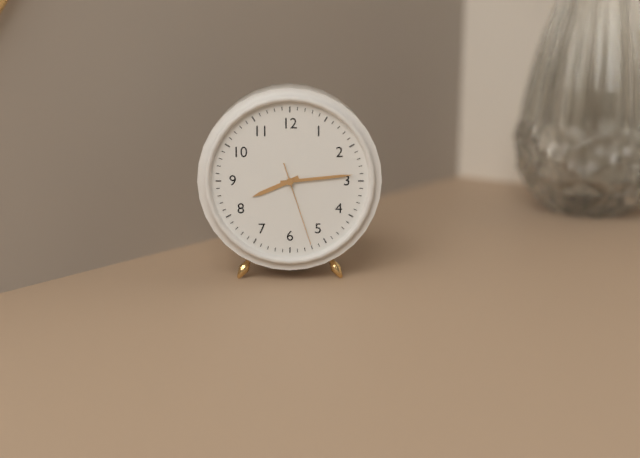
**8:14:27**
